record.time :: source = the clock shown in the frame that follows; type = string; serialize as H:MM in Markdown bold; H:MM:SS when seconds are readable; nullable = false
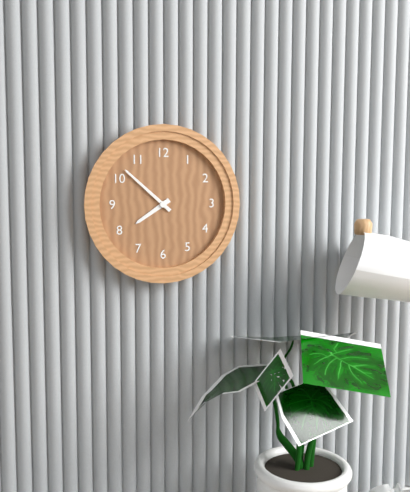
**7:52**
